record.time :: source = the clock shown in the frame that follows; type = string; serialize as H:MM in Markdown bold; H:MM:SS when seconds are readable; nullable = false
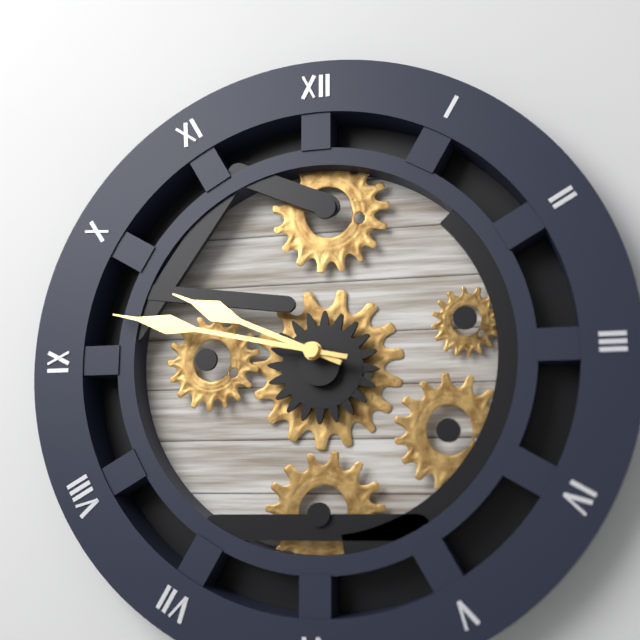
**9:47**
